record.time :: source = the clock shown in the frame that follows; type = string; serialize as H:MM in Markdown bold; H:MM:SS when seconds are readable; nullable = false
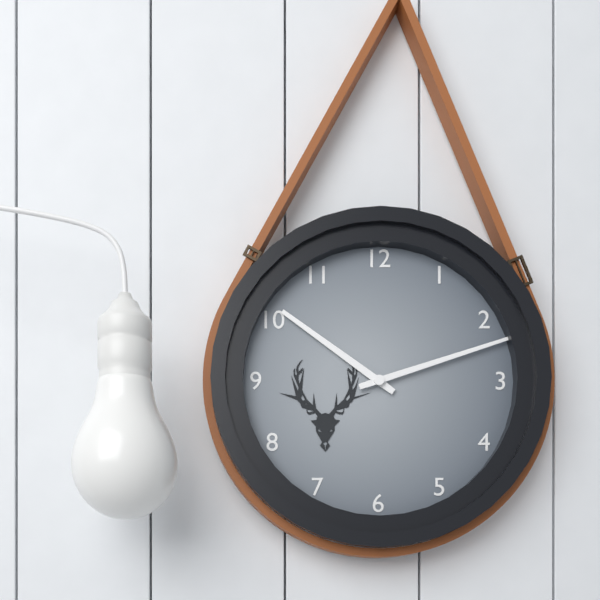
**10:12**
